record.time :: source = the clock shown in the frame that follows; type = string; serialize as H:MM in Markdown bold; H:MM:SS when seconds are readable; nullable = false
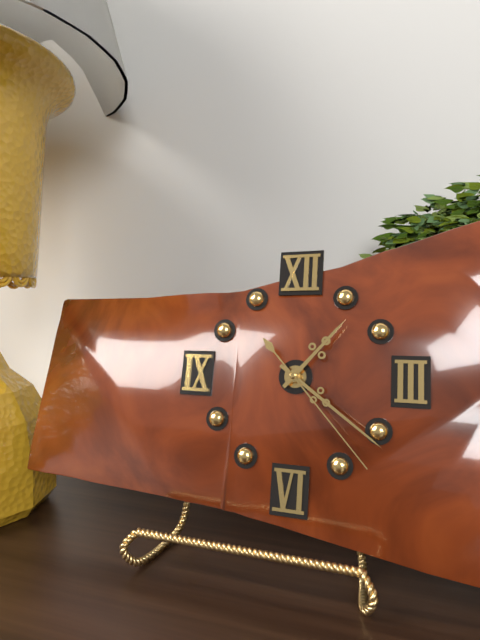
**1:21:23**
